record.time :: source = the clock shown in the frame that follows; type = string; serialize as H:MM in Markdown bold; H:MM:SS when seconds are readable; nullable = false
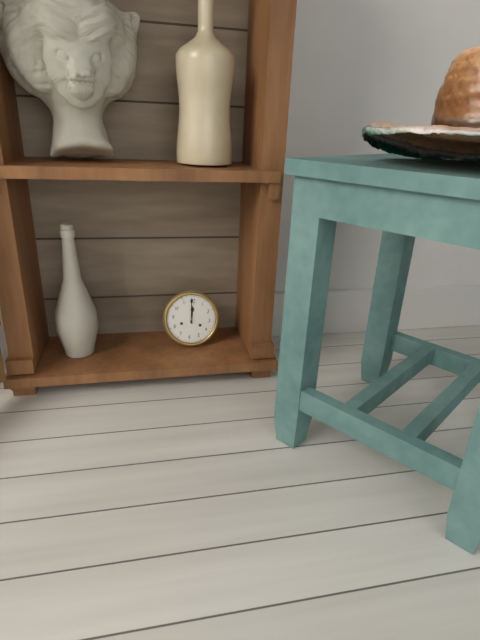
**11:59**
